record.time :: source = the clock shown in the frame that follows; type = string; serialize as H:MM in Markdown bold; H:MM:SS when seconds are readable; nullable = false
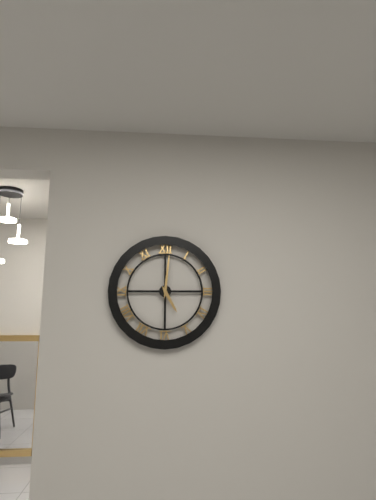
**5:01**
